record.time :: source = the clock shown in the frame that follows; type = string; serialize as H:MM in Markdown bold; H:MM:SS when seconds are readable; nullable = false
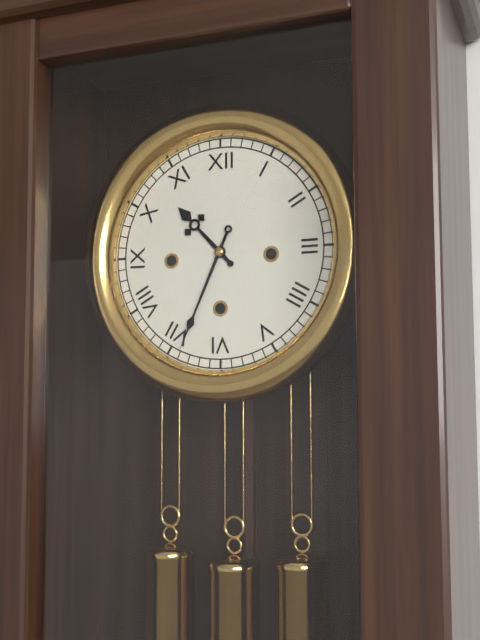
**10:34**
